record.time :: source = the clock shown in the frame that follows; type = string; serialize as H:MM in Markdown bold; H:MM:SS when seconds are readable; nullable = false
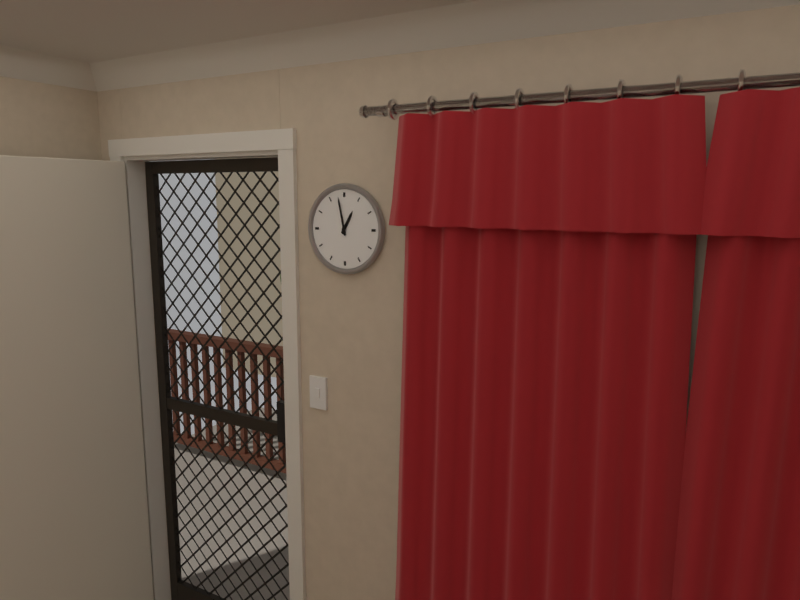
**12:58**
